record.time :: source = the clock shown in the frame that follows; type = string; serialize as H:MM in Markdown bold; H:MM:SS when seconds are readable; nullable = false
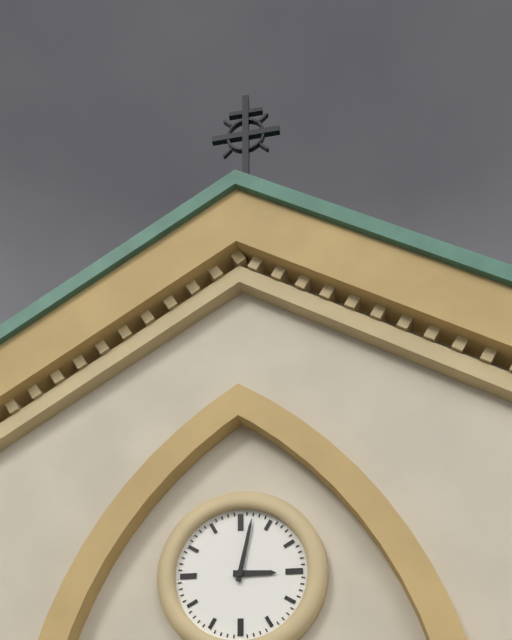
**3:02**
